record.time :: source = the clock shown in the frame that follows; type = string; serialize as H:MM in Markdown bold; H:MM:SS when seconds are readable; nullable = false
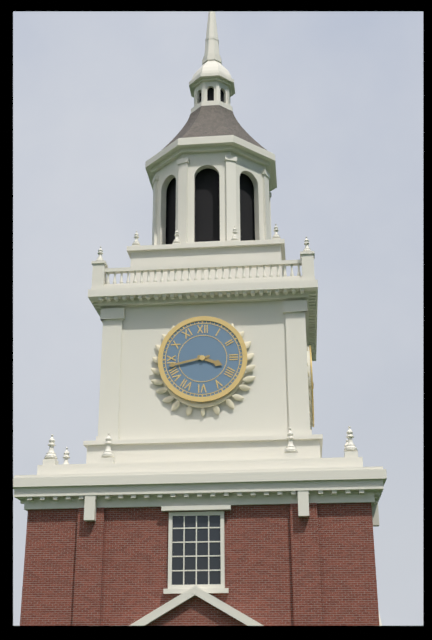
**3:43**
